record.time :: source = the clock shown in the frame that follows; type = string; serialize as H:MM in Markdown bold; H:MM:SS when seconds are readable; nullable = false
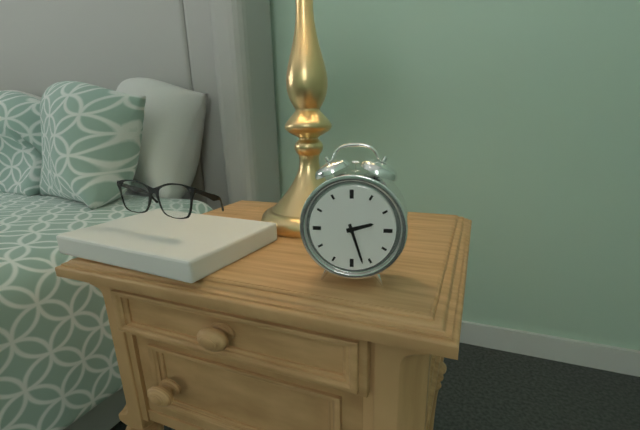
**2:27**
